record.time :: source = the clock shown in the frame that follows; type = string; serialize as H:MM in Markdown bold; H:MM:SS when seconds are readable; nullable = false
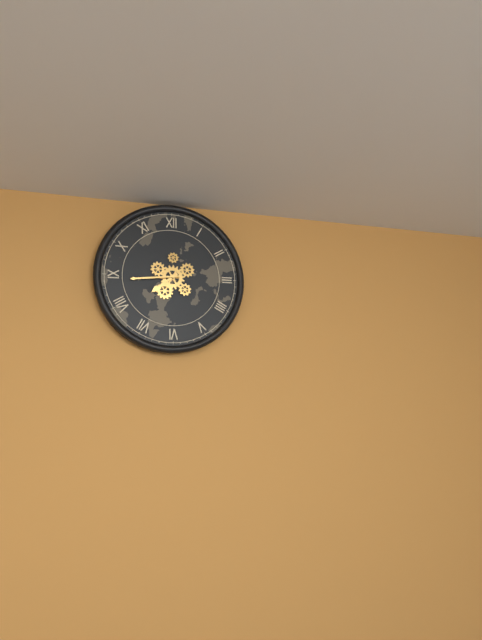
**7:44**
